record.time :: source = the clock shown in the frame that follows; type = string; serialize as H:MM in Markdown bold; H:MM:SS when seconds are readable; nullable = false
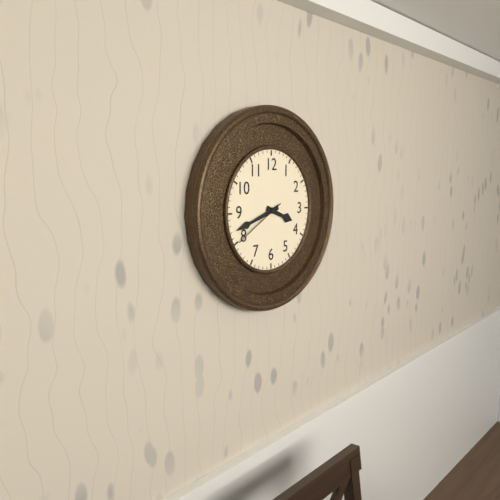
**3:42:40**
